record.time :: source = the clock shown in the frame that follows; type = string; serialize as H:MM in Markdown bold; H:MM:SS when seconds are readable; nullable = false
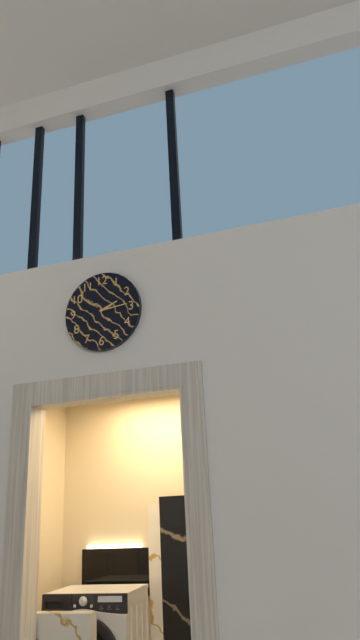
**2:14**
